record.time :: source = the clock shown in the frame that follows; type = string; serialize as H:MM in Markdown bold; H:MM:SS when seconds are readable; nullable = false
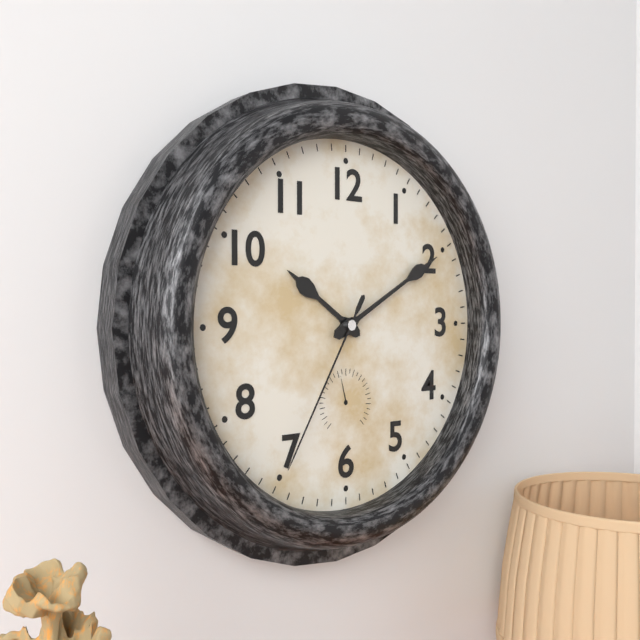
**10:10:35**
